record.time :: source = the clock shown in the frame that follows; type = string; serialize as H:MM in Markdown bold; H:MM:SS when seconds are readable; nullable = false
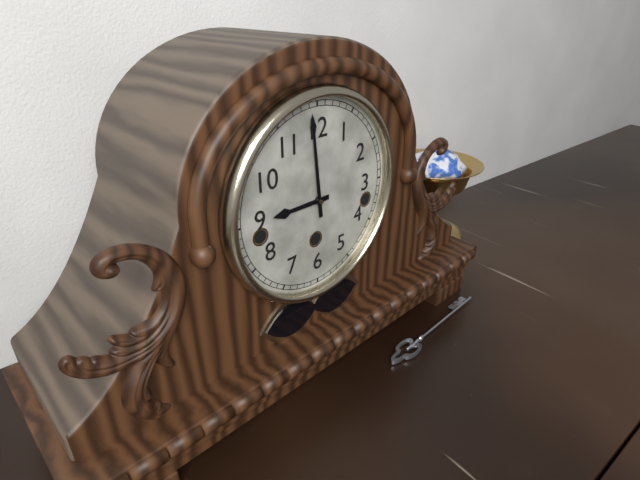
**8:59**
